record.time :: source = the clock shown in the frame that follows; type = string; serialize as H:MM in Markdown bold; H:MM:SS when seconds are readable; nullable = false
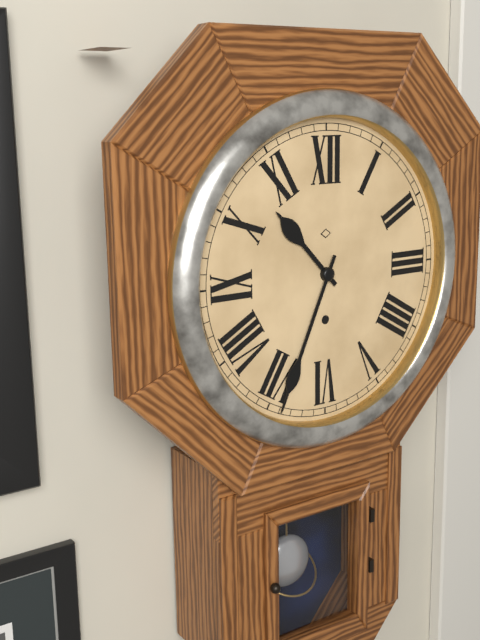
**10:34**
